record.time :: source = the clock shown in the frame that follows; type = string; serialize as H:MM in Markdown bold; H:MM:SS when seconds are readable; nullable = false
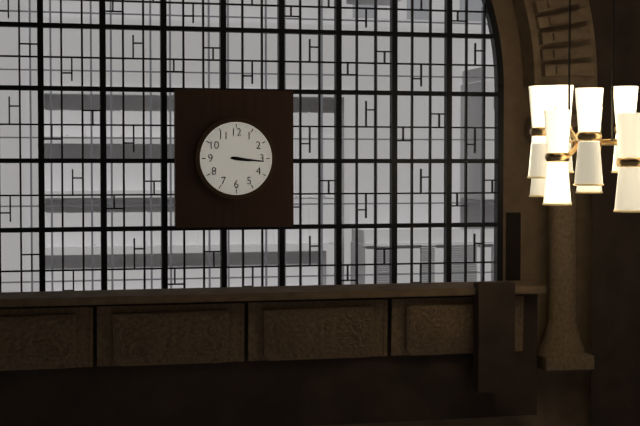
**3:16**
